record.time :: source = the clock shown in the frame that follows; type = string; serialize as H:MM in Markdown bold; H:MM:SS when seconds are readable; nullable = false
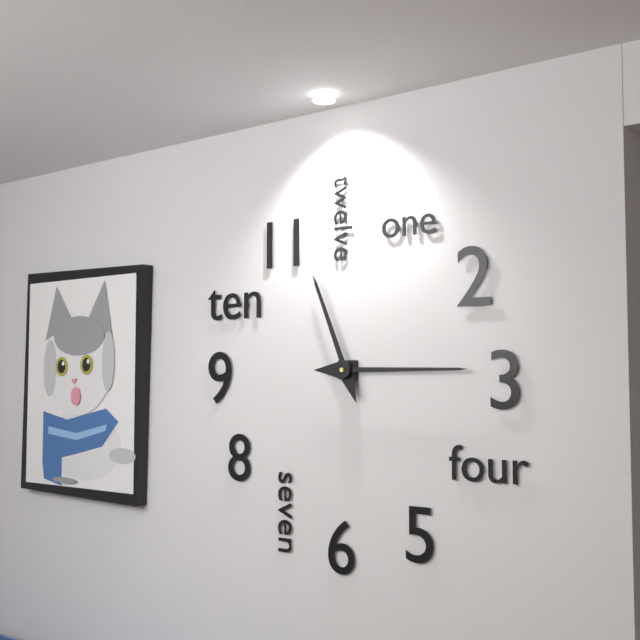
**11:15**
